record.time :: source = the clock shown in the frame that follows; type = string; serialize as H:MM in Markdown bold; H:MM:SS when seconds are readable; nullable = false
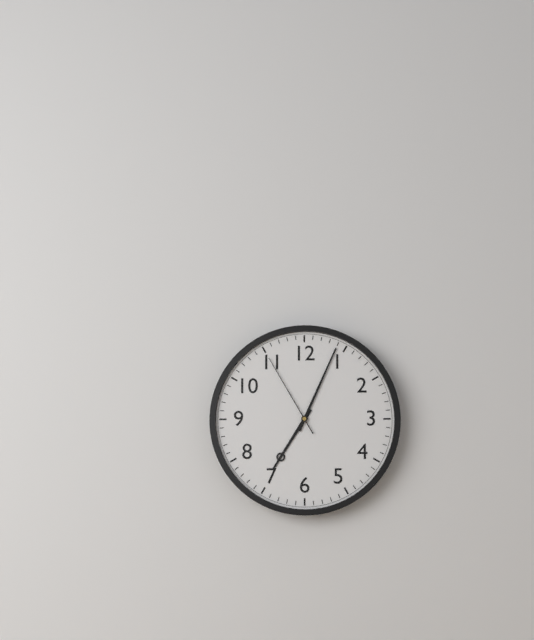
**7:04:55**
